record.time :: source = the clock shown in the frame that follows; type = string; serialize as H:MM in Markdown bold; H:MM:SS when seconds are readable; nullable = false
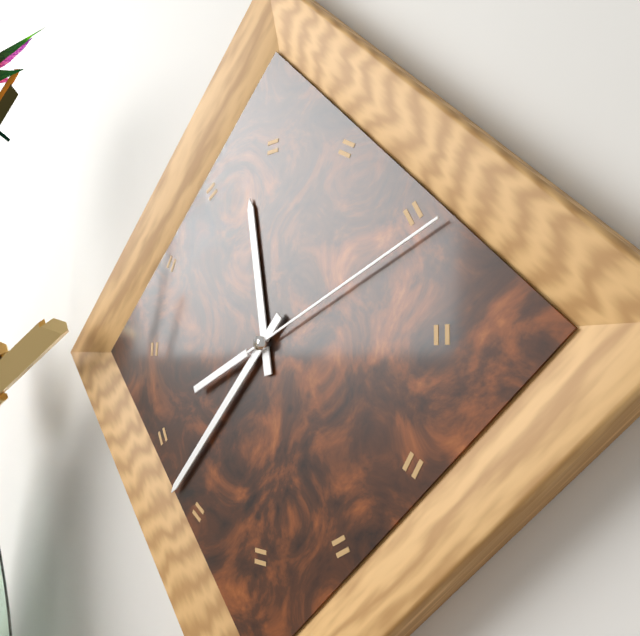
**11:37:11**
